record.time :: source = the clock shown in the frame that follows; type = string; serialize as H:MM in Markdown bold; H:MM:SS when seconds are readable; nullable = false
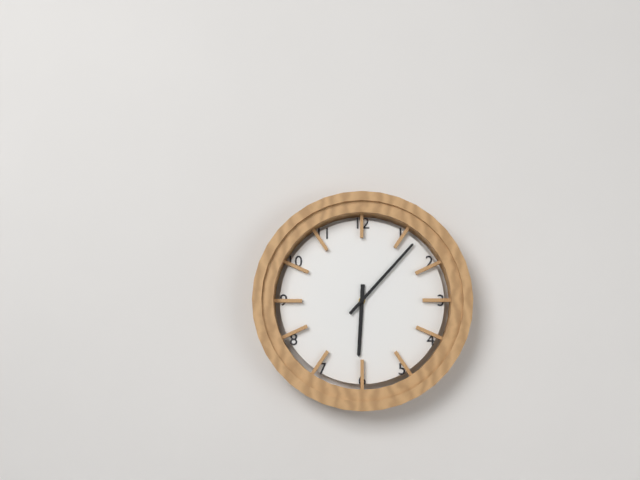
**6:07**
